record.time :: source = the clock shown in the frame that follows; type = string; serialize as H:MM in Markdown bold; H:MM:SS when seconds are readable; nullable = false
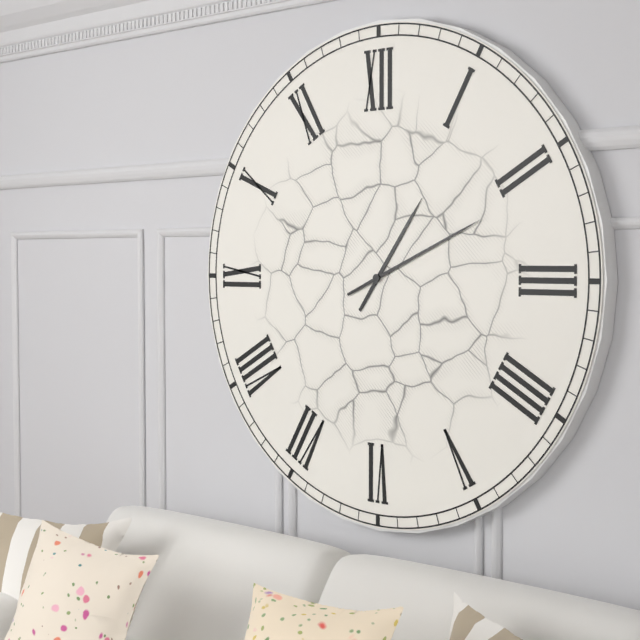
**1:11**
